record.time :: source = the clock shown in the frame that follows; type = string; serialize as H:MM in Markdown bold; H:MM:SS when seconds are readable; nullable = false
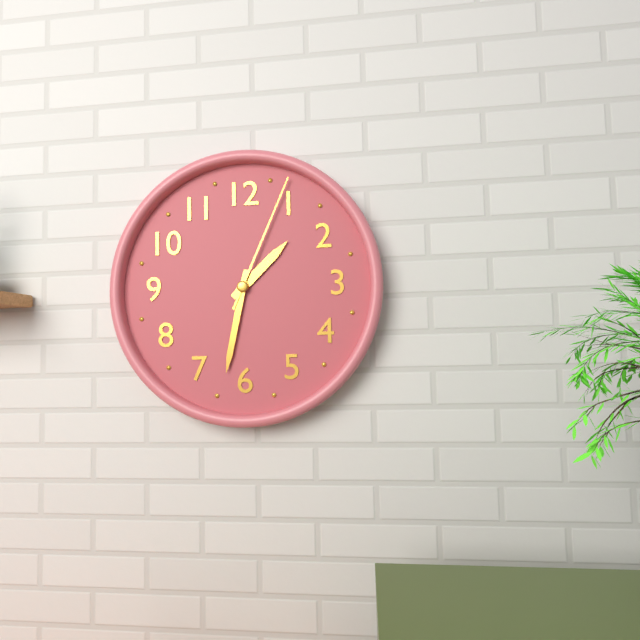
**1:32:04**
